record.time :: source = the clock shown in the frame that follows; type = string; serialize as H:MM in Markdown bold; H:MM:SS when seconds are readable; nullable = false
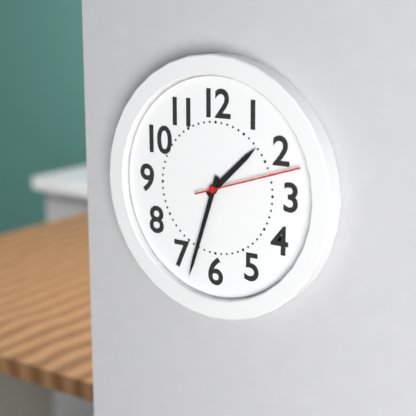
**1:33:12**
